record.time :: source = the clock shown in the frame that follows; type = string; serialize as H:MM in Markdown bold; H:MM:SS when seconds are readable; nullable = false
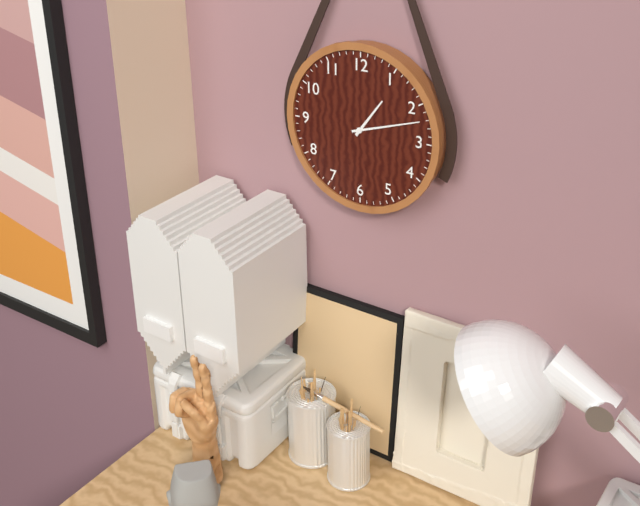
**1:12**
